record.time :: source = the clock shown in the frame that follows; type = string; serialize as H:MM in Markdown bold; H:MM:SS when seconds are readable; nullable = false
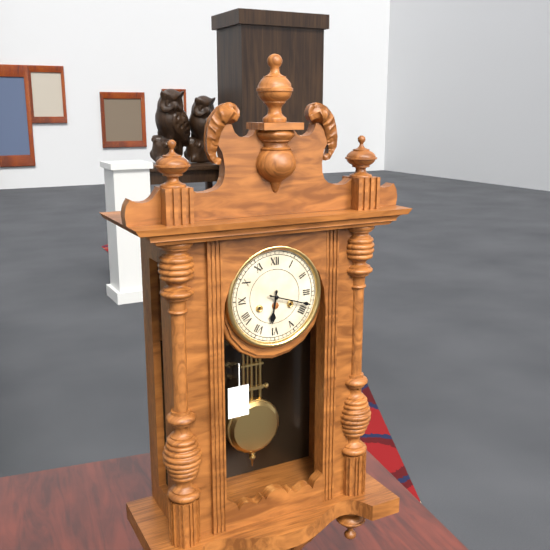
**6:18**
